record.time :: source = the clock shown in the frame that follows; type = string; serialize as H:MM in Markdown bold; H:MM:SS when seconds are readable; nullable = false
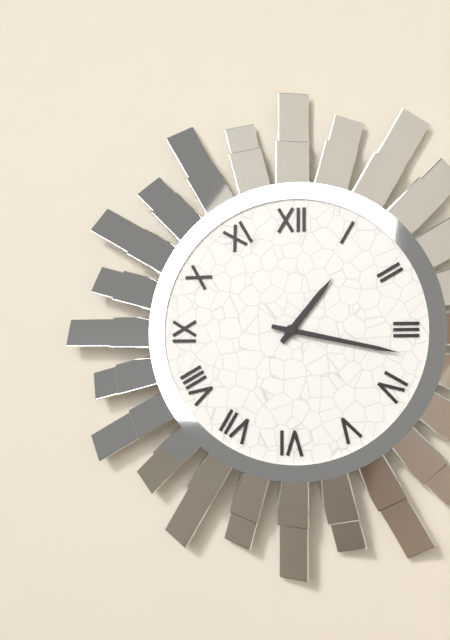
**1:17**
